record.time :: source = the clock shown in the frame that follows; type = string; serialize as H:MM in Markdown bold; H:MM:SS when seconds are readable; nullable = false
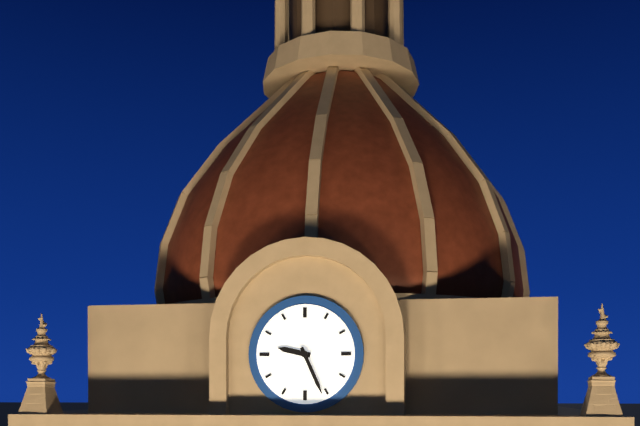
**9:26**
